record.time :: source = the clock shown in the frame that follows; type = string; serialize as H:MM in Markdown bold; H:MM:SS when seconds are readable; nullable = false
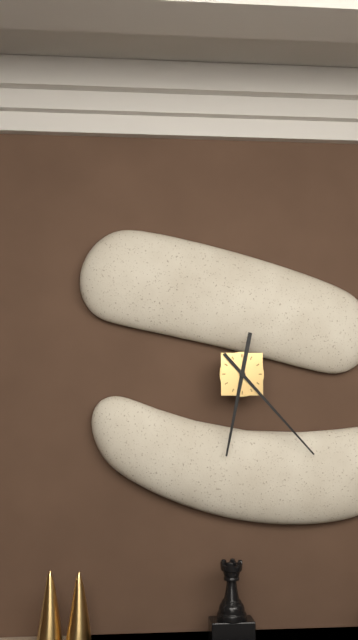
**6:23**
